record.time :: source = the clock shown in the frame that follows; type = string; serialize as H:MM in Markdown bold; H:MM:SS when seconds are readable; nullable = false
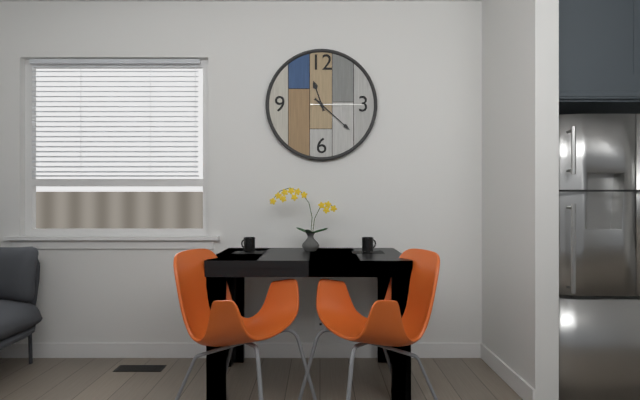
**11:22:15**
